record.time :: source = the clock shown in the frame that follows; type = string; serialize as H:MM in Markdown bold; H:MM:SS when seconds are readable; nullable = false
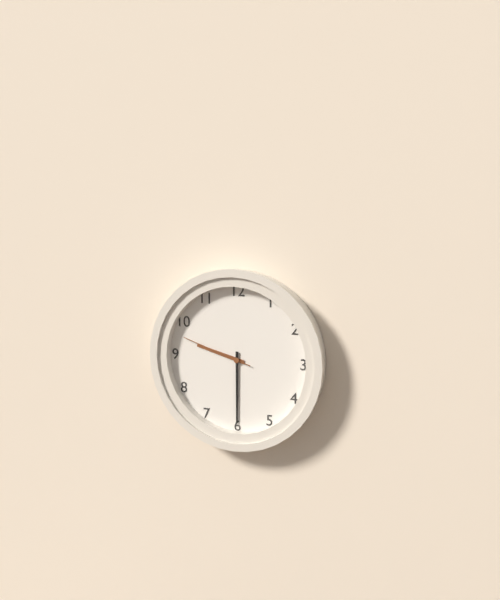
**9:30:48**
